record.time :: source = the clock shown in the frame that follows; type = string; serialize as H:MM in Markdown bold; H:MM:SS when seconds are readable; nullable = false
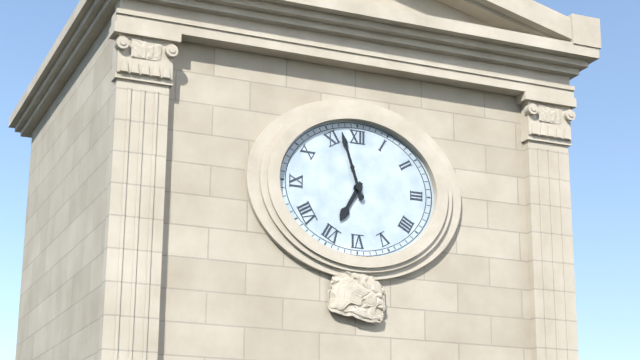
**6:57**
